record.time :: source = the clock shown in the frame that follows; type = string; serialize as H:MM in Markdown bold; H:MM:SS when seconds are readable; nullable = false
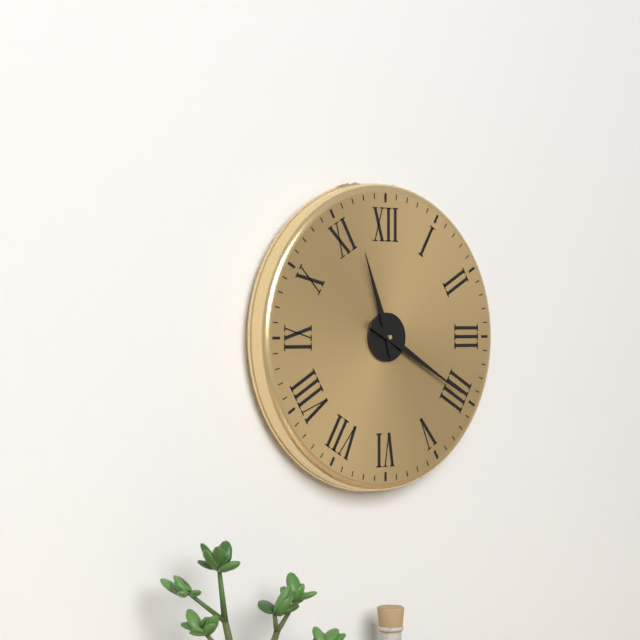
**11:20**
